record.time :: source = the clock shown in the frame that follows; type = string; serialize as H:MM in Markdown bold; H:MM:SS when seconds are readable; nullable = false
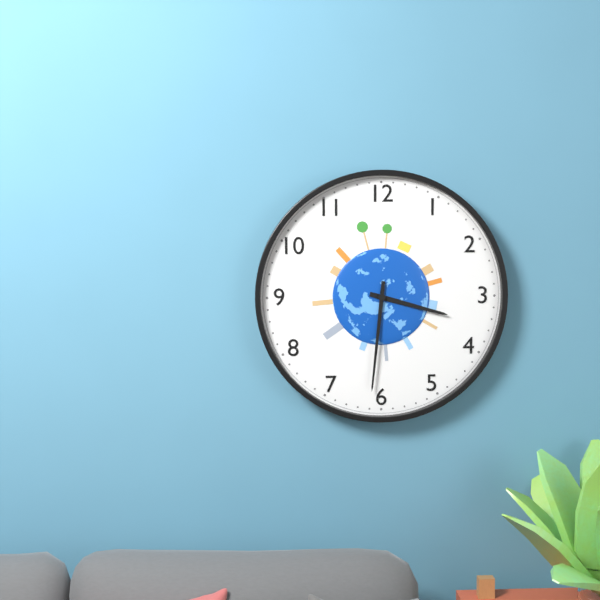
**3:31**
